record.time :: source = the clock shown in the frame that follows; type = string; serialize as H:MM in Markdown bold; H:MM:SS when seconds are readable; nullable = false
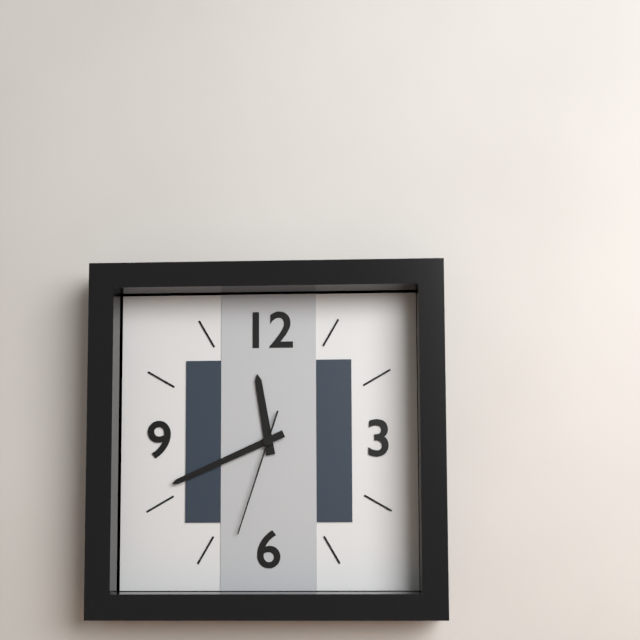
**11:41:33**
